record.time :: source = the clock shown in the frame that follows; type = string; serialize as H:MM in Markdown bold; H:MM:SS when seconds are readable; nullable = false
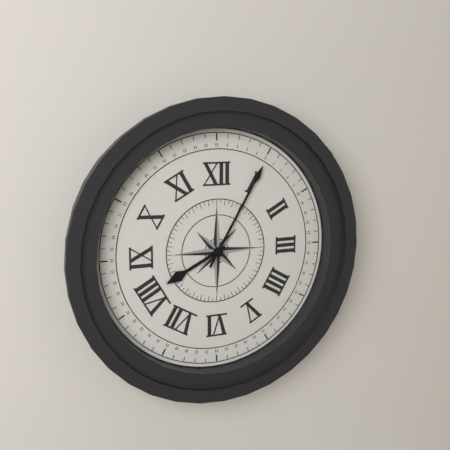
**8:05**
